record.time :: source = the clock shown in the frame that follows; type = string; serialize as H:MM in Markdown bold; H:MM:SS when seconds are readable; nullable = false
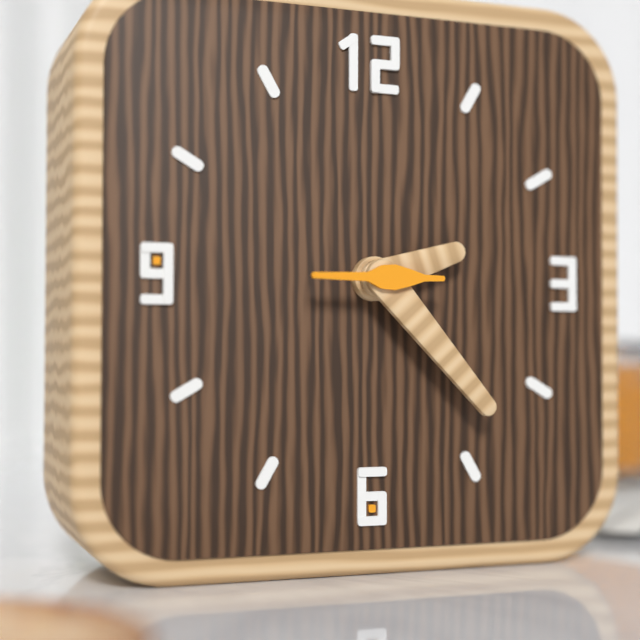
**2:23:45**
